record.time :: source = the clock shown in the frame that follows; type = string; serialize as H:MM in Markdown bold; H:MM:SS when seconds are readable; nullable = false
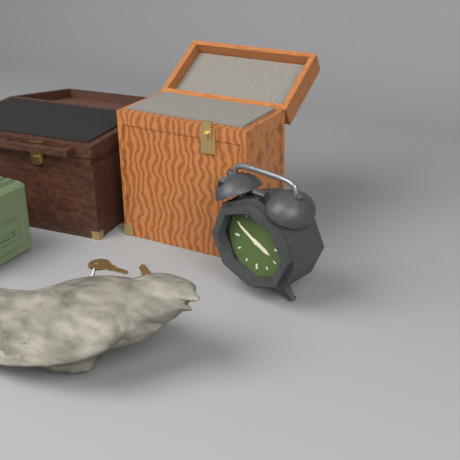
**3:50**
